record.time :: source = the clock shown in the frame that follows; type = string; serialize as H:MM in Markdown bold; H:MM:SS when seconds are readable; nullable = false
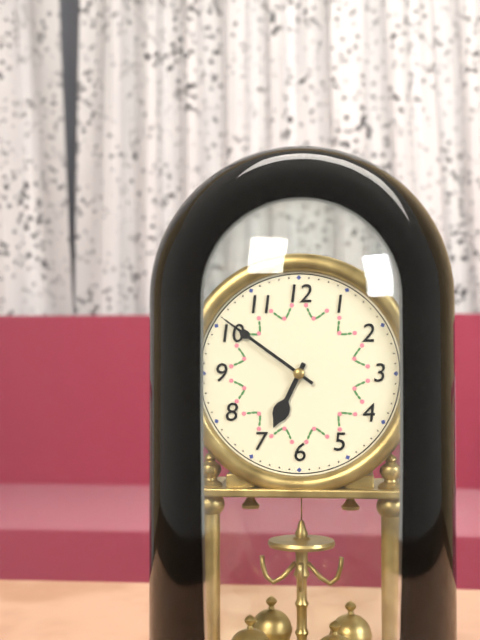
**6:51**
